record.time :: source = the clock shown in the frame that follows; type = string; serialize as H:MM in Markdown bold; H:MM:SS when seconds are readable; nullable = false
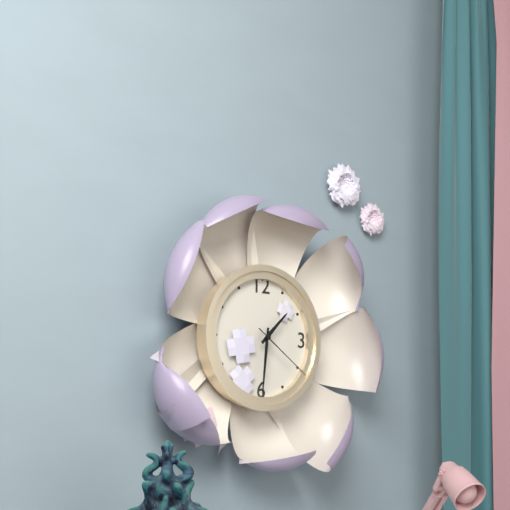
**1:31:21**
